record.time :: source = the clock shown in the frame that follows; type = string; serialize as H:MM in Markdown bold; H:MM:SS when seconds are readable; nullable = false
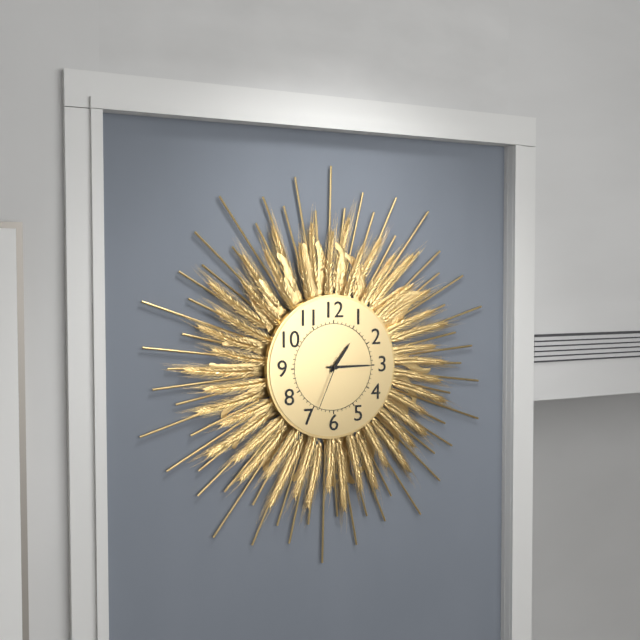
**1:15:34**
